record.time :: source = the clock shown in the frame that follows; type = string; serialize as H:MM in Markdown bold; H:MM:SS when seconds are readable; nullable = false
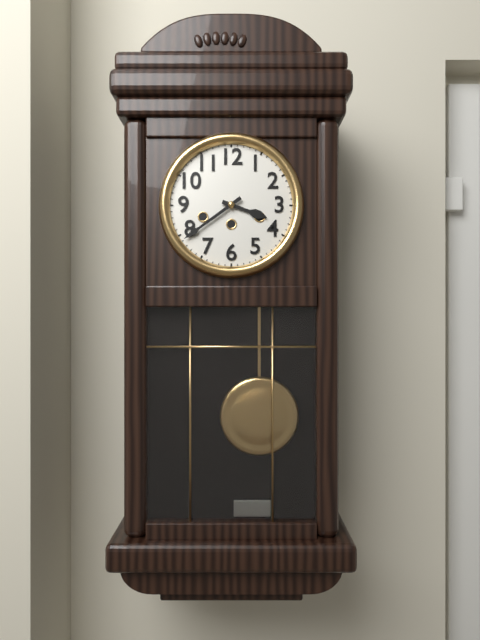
**3:39**
